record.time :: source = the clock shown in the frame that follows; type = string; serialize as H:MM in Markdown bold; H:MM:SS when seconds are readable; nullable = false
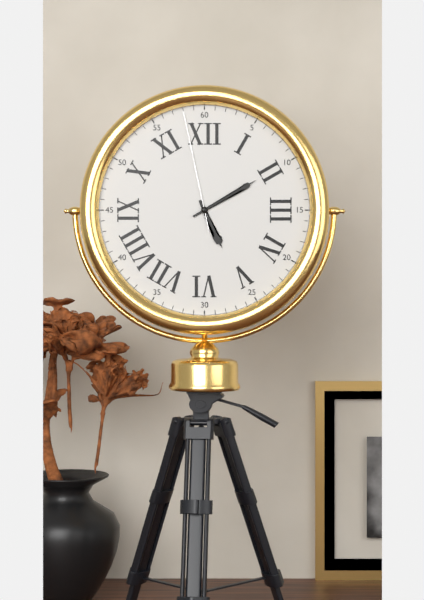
**5:10:58**
